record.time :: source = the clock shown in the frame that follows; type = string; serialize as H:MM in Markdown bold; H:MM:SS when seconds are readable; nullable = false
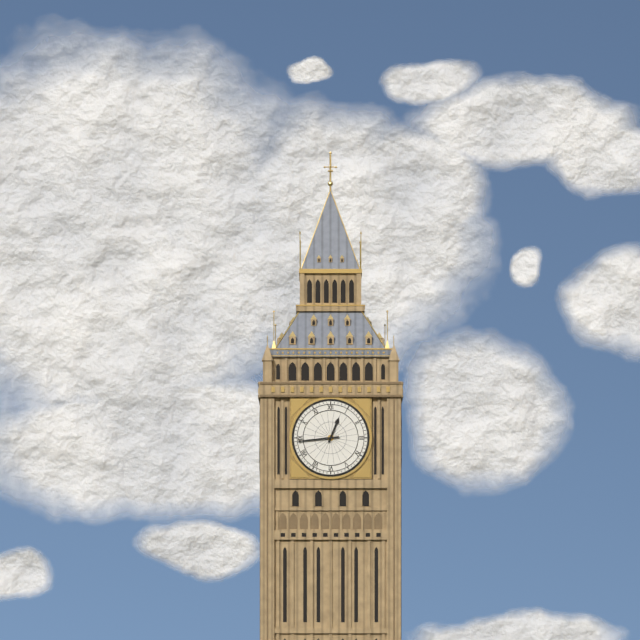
**12:44**
